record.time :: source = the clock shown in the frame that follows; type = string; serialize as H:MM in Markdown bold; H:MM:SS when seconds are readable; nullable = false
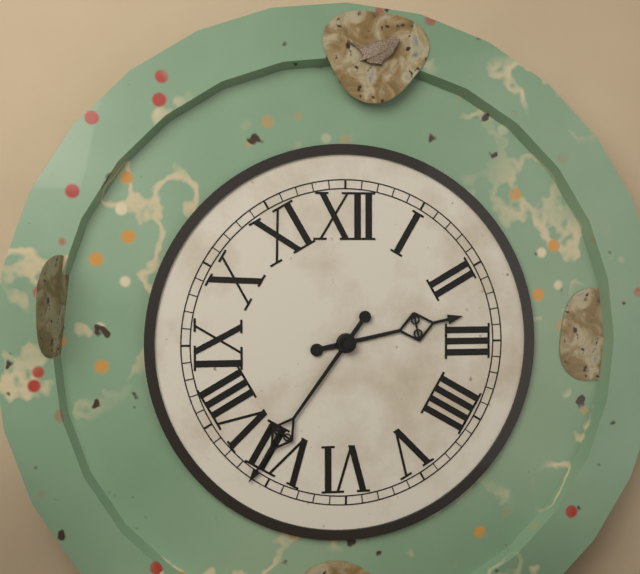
**2:36**
